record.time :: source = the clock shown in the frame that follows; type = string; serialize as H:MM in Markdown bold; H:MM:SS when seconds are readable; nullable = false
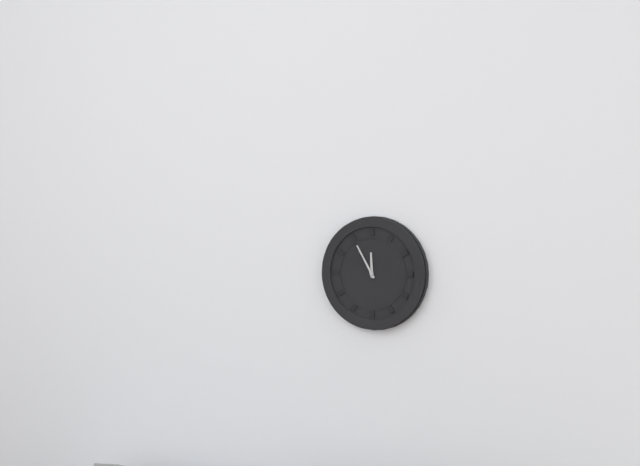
**11:55**
